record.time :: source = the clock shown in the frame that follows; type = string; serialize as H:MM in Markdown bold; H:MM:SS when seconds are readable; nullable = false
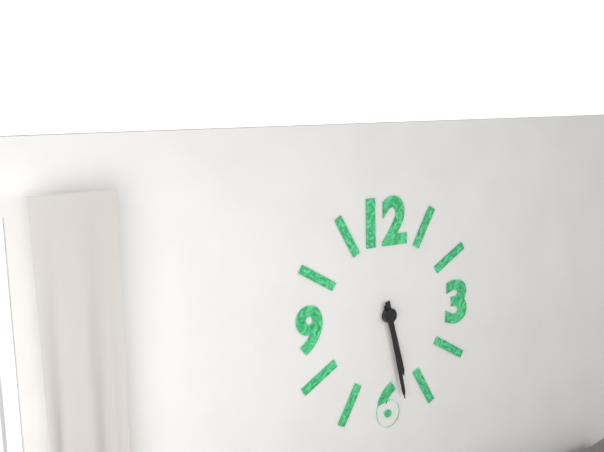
**5:28**
